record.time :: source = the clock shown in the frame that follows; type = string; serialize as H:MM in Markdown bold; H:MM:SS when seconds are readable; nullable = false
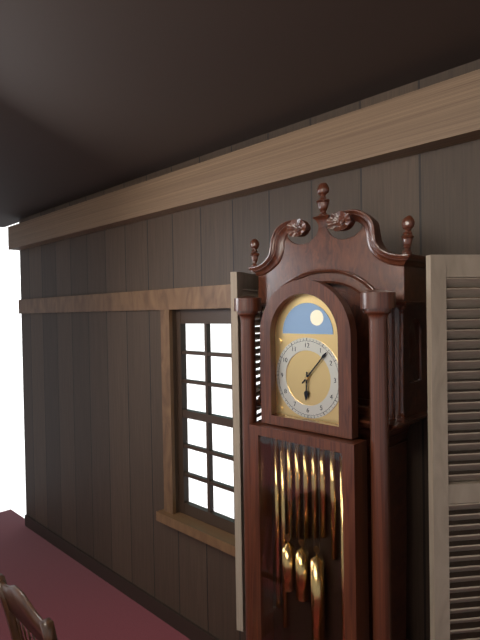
**6:07**
